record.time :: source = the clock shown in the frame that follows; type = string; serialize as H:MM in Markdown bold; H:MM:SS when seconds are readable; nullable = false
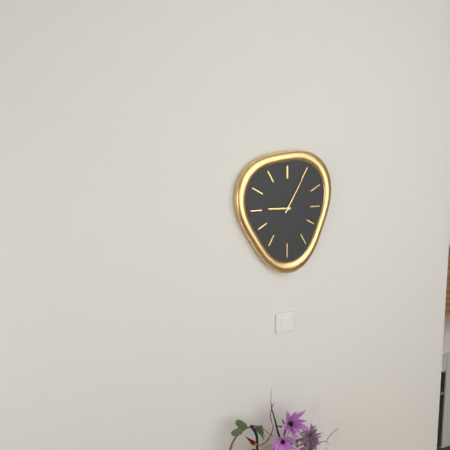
**9:05**
